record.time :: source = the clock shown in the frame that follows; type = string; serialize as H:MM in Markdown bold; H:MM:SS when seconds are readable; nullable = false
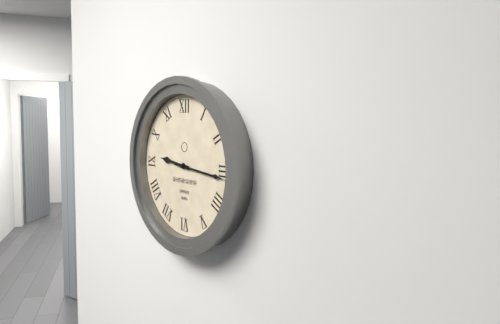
**9:16**
